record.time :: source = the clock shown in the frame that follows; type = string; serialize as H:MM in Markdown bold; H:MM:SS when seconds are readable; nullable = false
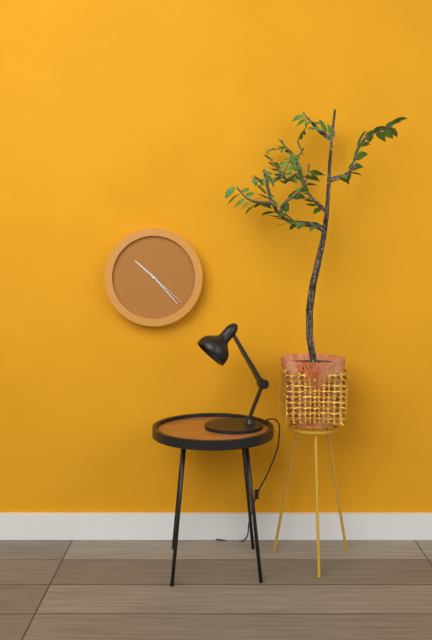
**10:23**
